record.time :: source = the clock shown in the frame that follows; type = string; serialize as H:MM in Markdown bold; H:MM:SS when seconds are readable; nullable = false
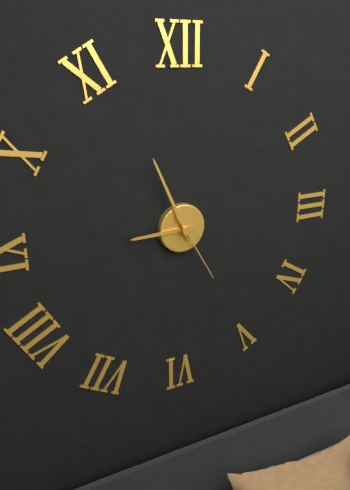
**8:56:25**
